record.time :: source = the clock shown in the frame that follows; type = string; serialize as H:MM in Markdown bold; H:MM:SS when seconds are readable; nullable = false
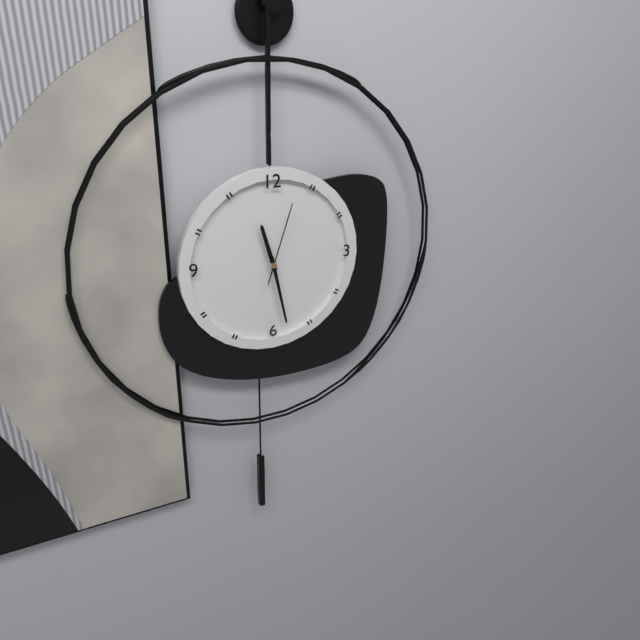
**11:28:03**
